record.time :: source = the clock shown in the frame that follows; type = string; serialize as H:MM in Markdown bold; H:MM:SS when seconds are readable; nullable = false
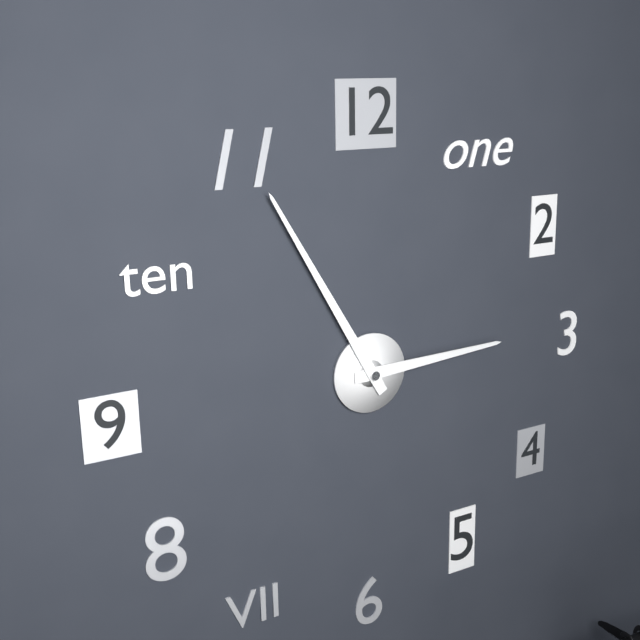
**2:55**
